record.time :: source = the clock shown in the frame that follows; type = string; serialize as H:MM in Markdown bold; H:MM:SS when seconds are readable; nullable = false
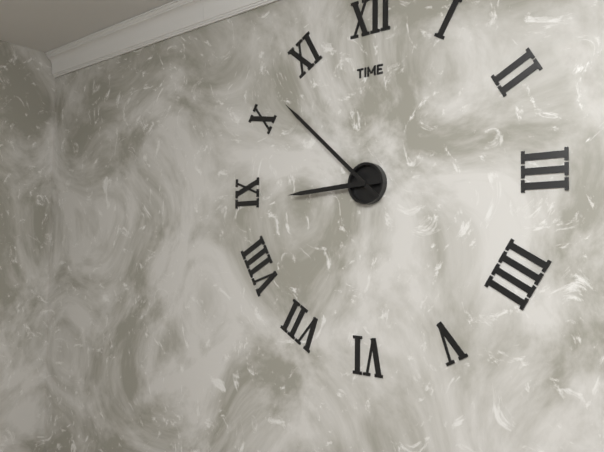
**8:52**
